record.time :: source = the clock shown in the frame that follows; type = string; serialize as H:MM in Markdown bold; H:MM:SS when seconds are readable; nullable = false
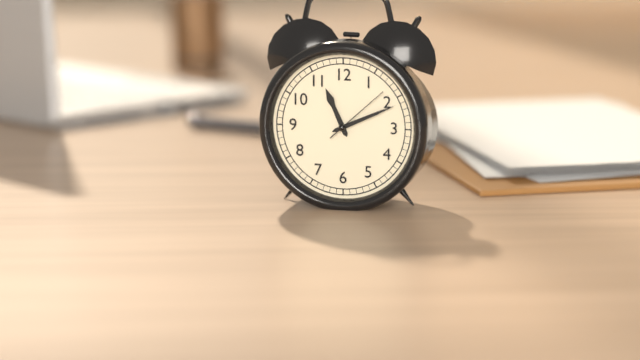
**11:11:08**
